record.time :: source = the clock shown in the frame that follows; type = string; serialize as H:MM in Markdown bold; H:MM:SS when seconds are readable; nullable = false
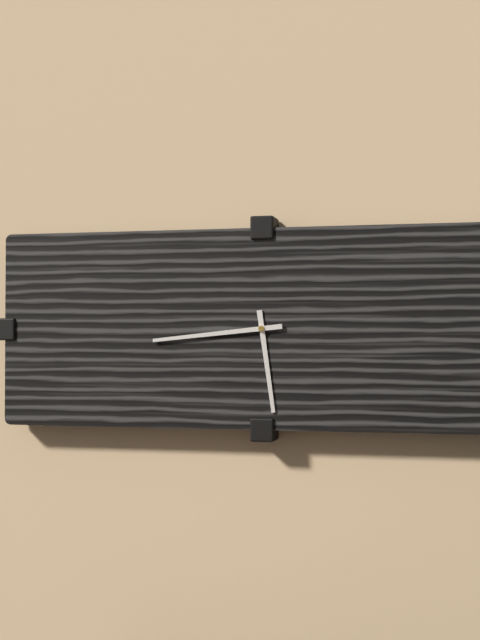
**5:44**
